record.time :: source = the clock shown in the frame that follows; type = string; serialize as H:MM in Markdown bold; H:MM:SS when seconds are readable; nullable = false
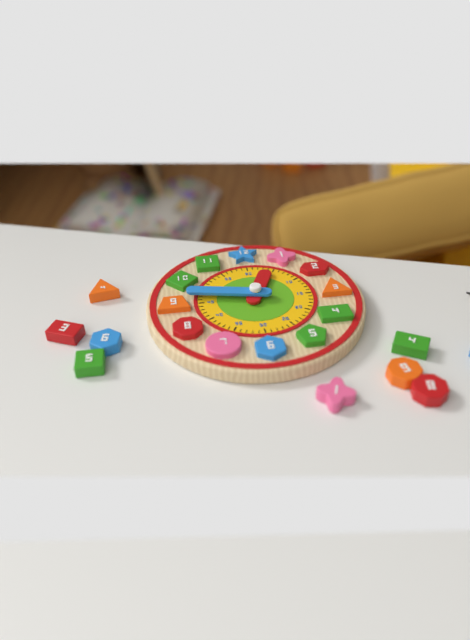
**12:47**
